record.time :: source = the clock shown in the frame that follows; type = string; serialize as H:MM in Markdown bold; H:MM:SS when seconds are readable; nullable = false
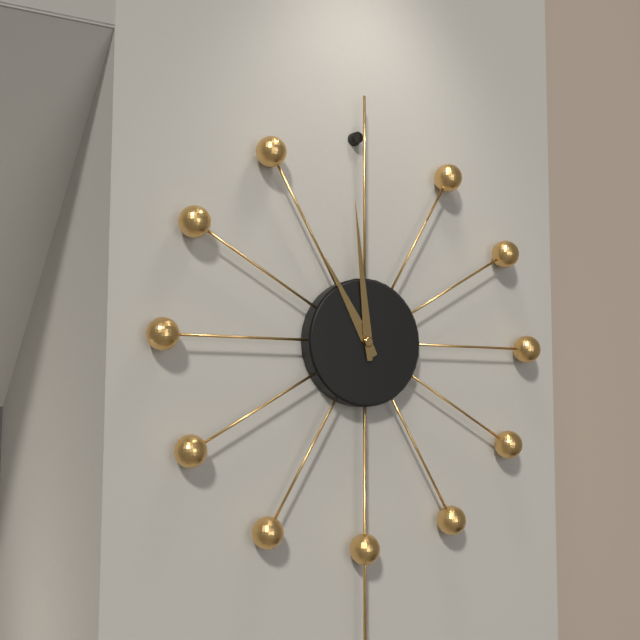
**10:59**
